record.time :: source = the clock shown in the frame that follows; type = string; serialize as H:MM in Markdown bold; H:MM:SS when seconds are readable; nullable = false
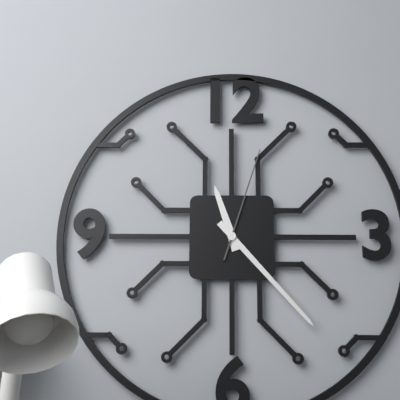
**11:23:03**
